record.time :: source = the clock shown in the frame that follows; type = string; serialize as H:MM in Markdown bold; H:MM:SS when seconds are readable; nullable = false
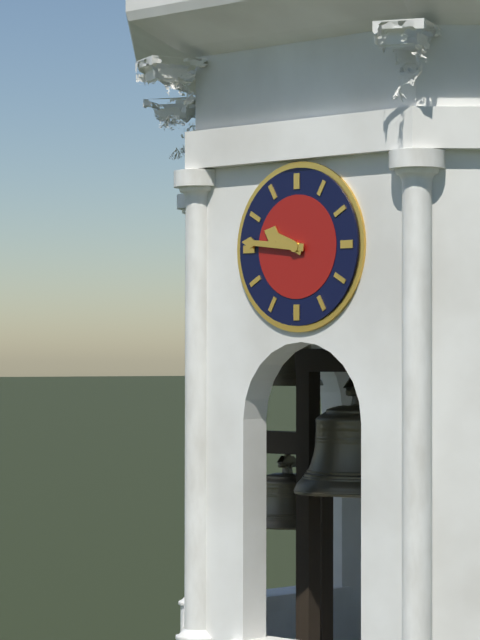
**9:46**
